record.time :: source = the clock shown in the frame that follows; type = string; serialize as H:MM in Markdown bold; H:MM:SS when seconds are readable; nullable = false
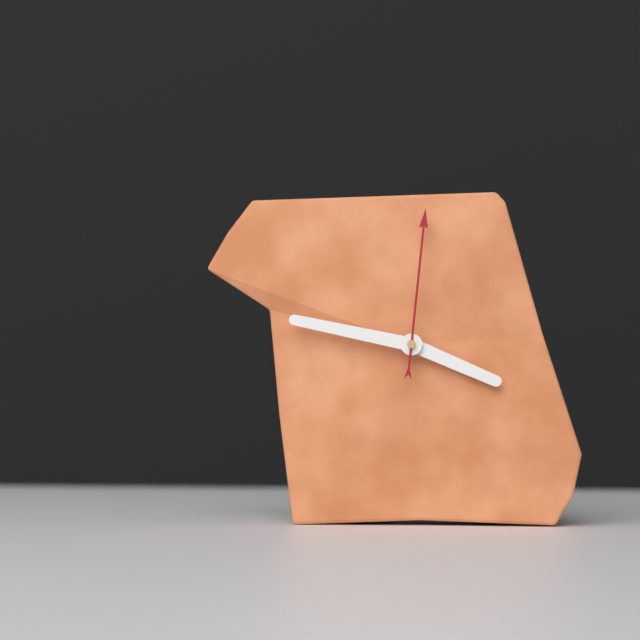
**3:47:01**
